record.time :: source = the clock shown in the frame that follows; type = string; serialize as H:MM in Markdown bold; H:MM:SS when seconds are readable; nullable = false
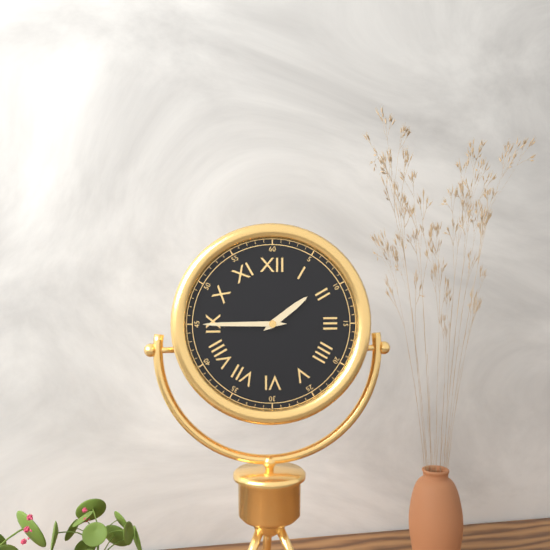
**1:45**
